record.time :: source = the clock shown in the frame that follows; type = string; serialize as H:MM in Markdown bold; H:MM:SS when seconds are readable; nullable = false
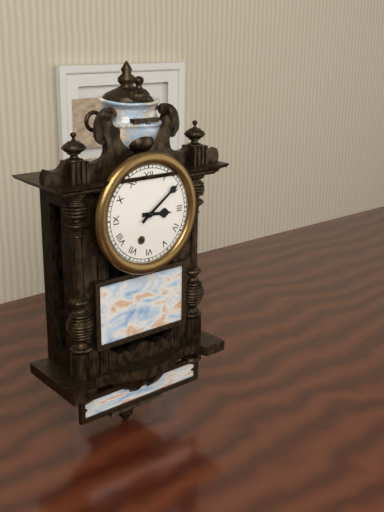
**3:09**
